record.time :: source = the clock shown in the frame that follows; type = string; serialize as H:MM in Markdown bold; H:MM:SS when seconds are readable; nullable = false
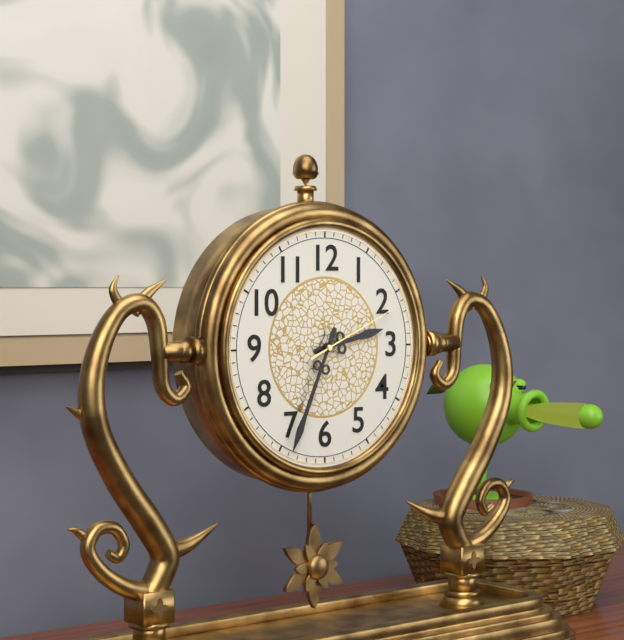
**2:34:11**
